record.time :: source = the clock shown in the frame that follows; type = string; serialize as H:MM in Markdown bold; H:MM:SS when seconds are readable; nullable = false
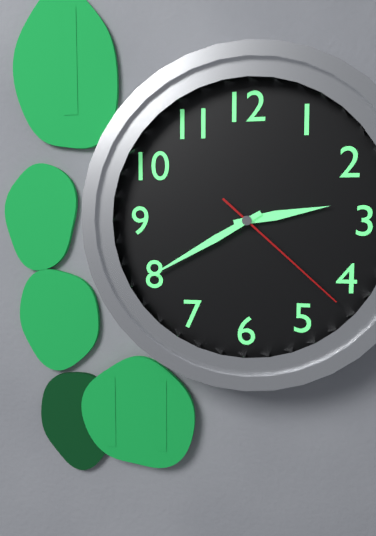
**2:40:22**
